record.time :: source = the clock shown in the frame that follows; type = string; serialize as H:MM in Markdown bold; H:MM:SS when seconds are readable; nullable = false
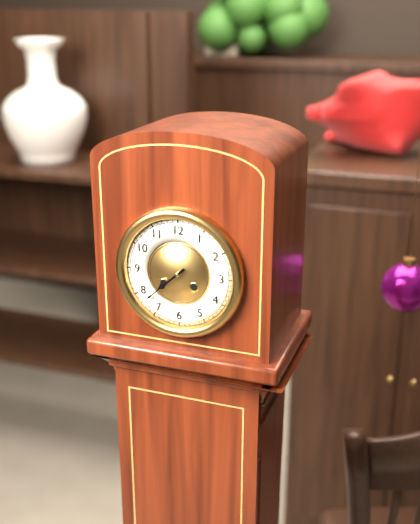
**7:38**
